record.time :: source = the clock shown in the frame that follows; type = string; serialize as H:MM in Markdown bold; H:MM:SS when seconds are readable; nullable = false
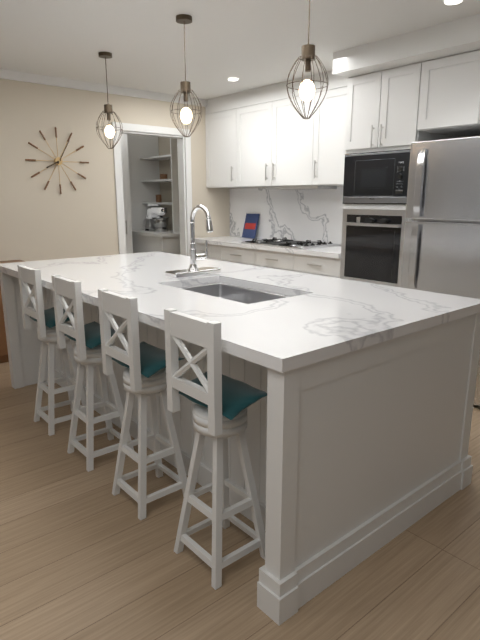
**8:05**
